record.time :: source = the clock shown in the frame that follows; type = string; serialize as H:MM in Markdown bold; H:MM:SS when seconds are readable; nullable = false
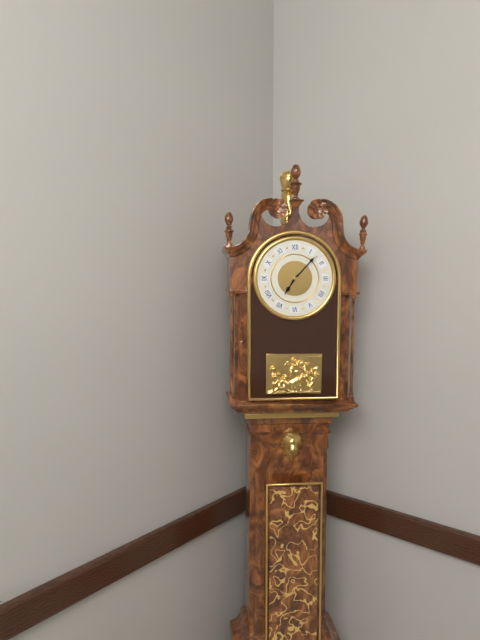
**7:07**
